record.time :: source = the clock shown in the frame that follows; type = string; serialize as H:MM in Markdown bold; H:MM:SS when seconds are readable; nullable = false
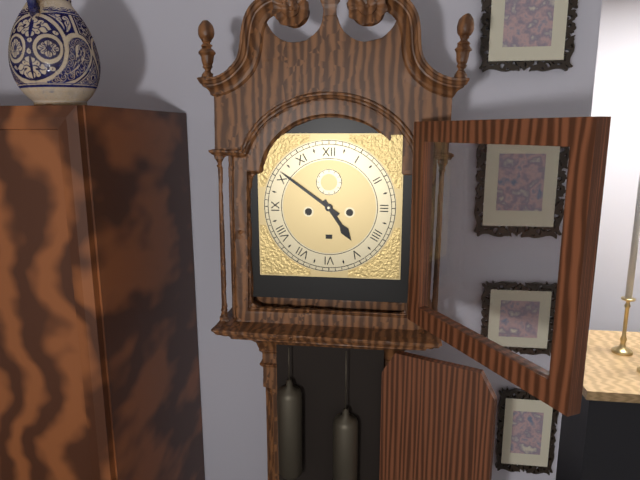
**4:51**
